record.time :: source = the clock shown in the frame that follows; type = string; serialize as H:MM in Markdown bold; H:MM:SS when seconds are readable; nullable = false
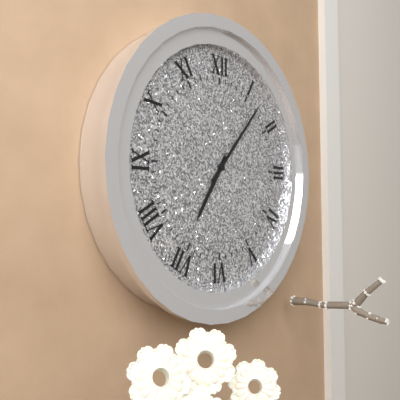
**7:07**
